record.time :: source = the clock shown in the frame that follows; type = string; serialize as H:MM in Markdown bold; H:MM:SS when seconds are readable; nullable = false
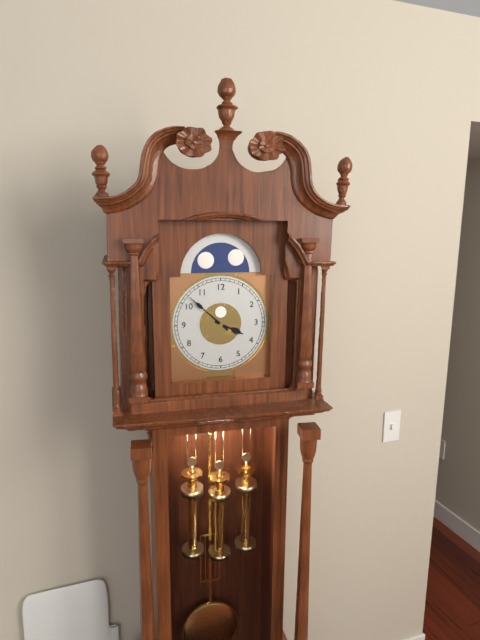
**3:52**
